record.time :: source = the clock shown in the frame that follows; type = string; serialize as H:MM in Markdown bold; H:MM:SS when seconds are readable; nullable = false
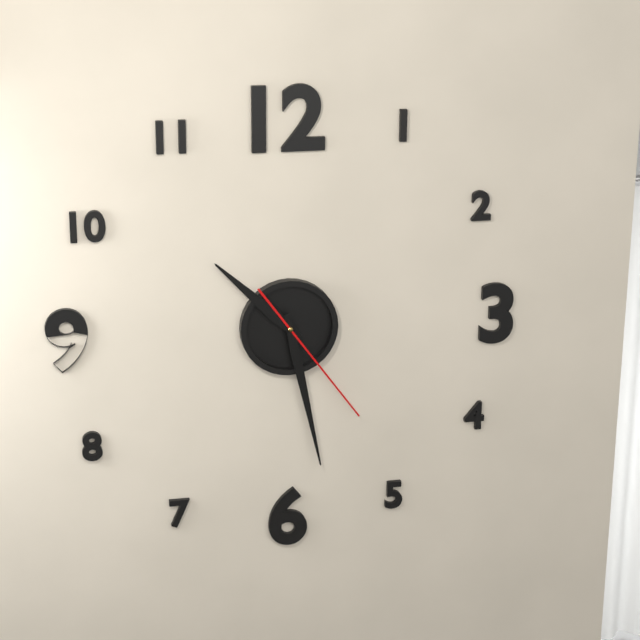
**10:28:24**
